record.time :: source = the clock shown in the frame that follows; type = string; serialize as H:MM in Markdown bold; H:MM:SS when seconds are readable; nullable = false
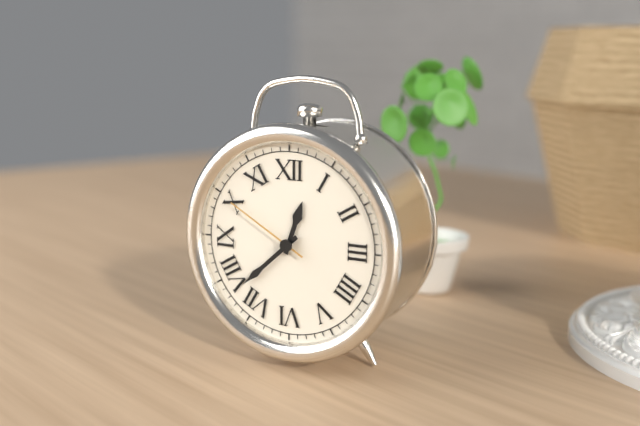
**12:38:50**
